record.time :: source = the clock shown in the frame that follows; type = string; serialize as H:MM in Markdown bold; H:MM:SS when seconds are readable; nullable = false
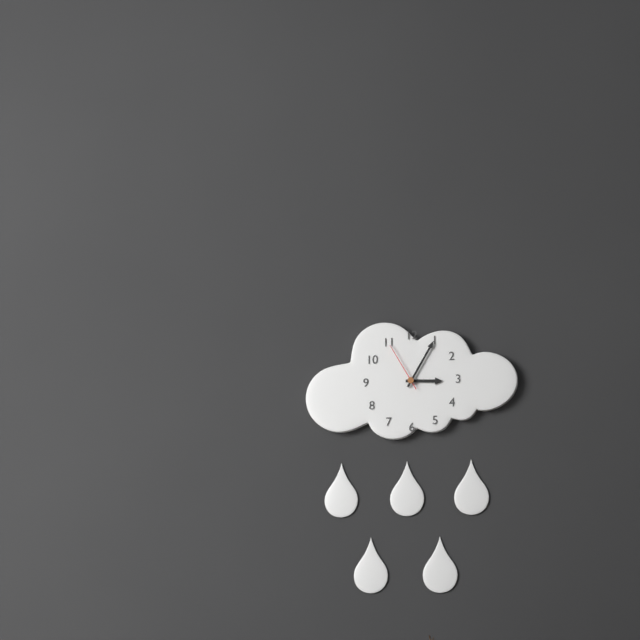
**3:05:55**
